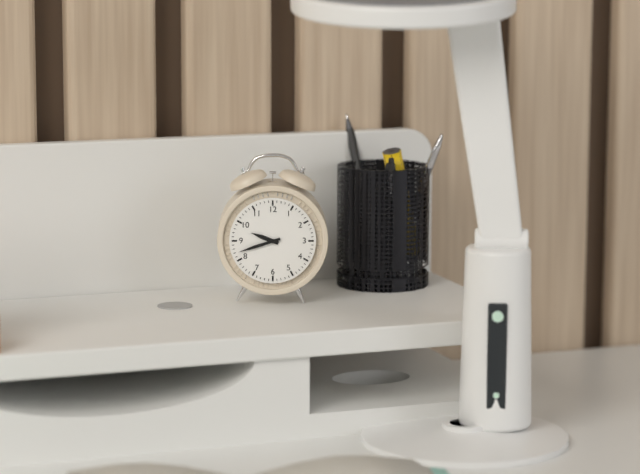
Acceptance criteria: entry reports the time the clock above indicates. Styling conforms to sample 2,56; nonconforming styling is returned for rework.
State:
9,42
